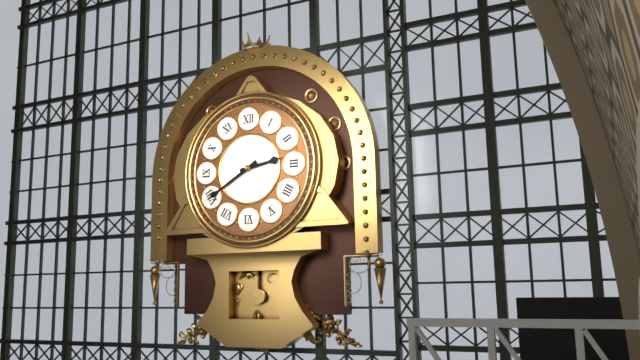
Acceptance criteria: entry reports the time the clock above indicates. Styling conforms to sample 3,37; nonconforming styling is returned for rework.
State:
2,40
